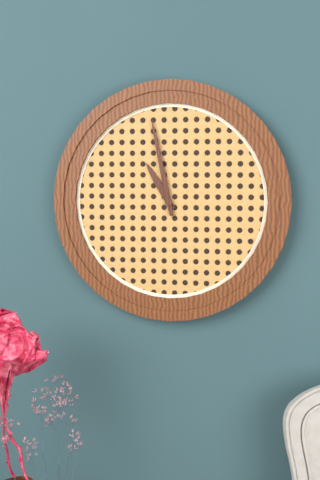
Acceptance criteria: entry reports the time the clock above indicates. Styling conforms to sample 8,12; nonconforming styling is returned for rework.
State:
10,58
